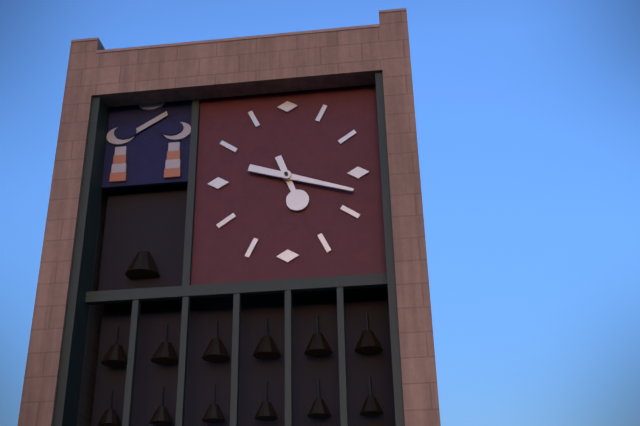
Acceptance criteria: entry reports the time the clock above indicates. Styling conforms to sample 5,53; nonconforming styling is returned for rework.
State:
5,18
